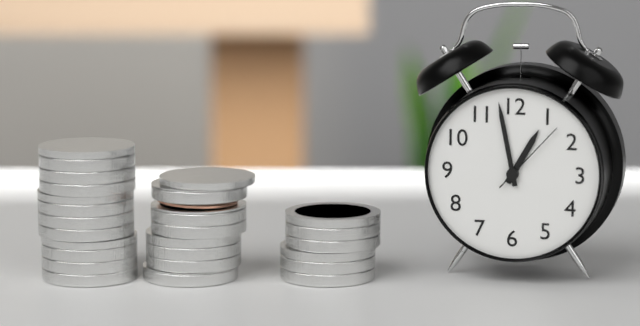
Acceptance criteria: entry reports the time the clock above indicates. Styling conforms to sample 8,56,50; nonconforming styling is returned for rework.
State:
12,58,07
